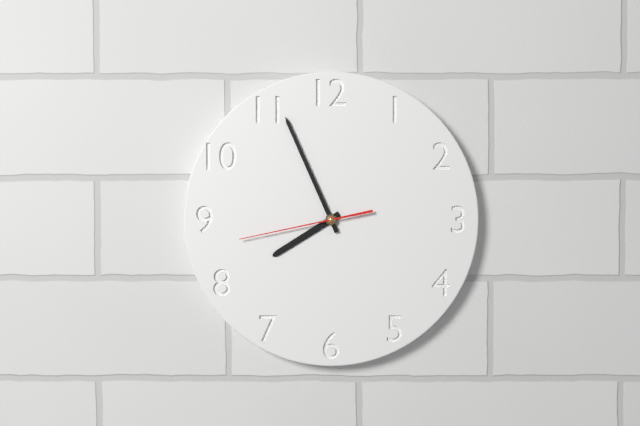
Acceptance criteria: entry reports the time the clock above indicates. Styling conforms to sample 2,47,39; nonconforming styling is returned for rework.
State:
7,56,43
